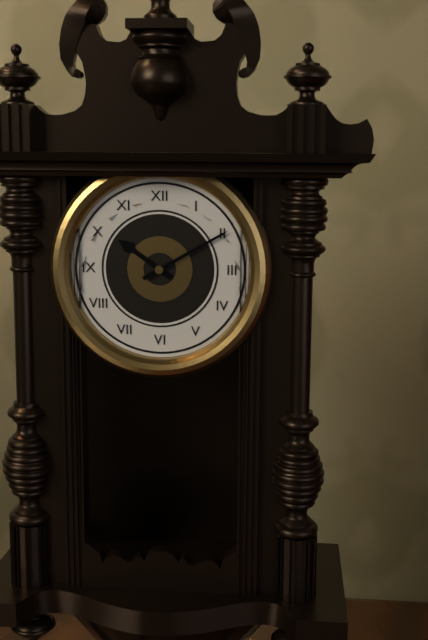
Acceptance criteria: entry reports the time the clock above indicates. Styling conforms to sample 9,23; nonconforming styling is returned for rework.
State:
10,10
